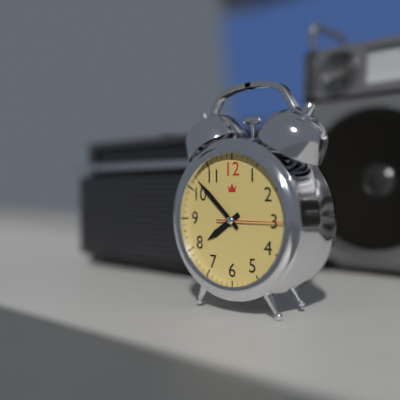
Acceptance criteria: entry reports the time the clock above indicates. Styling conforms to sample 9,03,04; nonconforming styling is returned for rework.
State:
7,52,15
